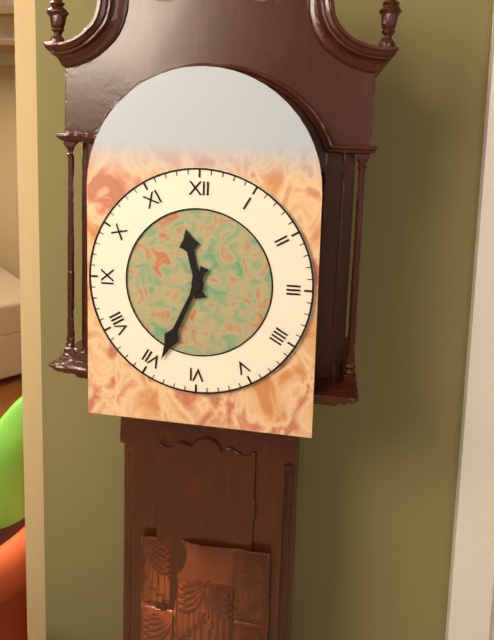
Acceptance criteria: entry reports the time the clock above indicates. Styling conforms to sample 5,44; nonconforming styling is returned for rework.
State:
11,34
